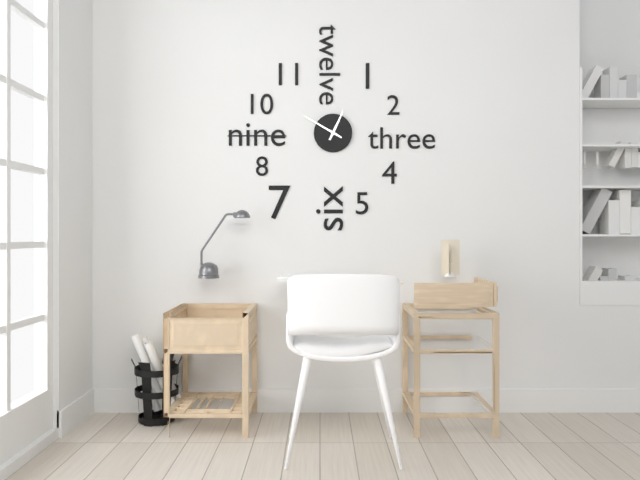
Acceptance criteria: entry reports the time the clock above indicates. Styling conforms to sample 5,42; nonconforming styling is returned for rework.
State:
12,50
